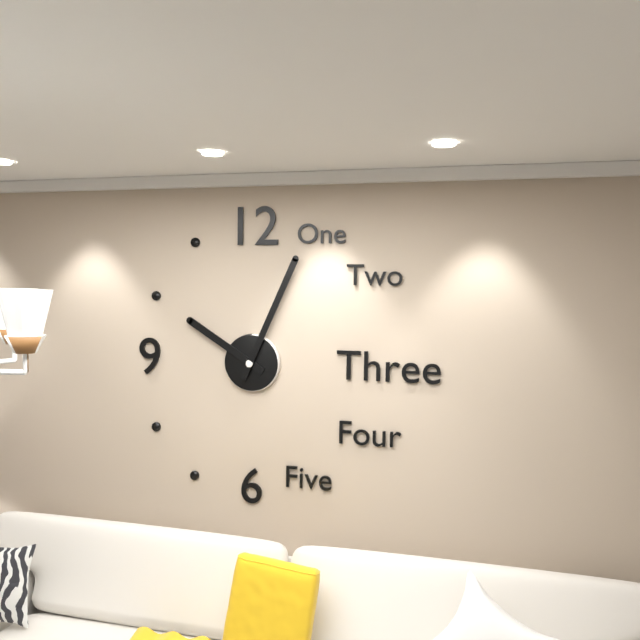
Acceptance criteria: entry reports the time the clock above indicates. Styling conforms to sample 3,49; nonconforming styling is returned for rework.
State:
10,04
